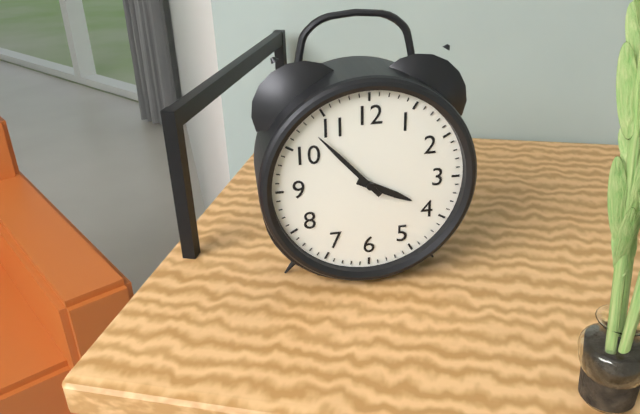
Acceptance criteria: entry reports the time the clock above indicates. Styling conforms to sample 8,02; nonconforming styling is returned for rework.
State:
3,53
